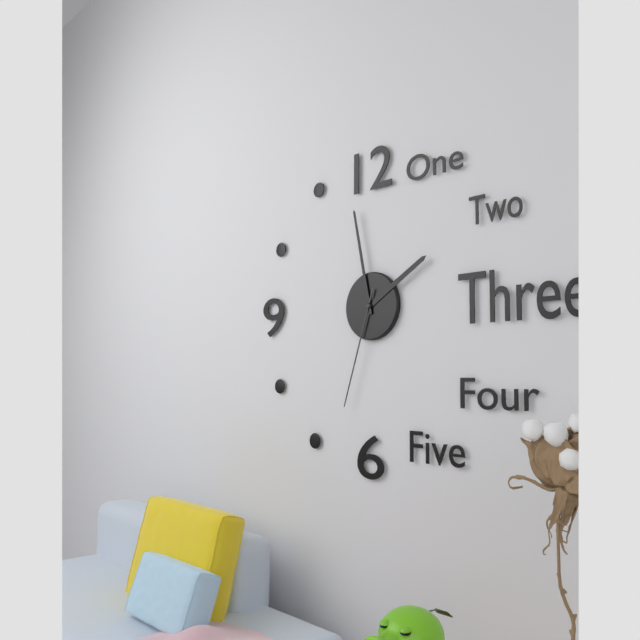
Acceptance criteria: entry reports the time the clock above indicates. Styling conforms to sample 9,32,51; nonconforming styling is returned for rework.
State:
1,58,33
